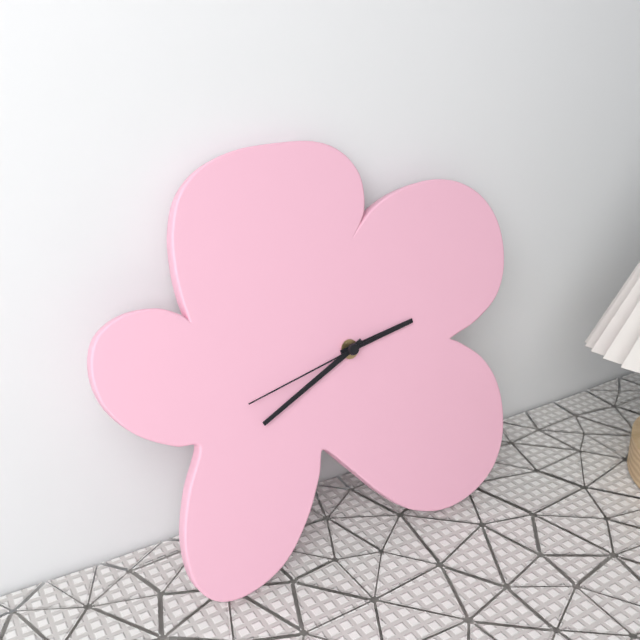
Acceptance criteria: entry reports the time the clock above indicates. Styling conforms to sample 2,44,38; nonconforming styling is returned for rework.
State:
2,41,43
